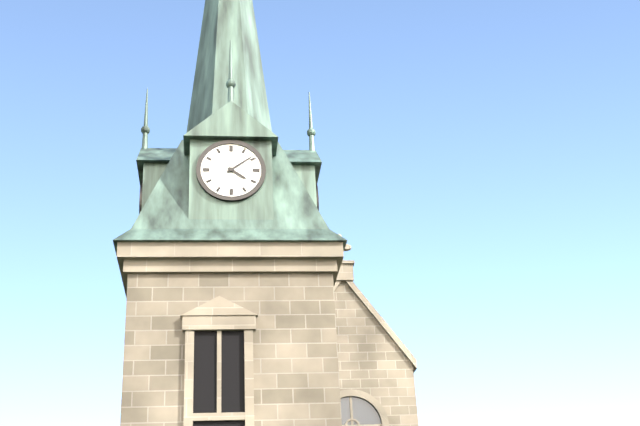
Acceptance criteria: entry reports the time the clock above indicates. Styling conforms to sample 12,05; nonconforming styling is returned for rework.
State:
4,09
